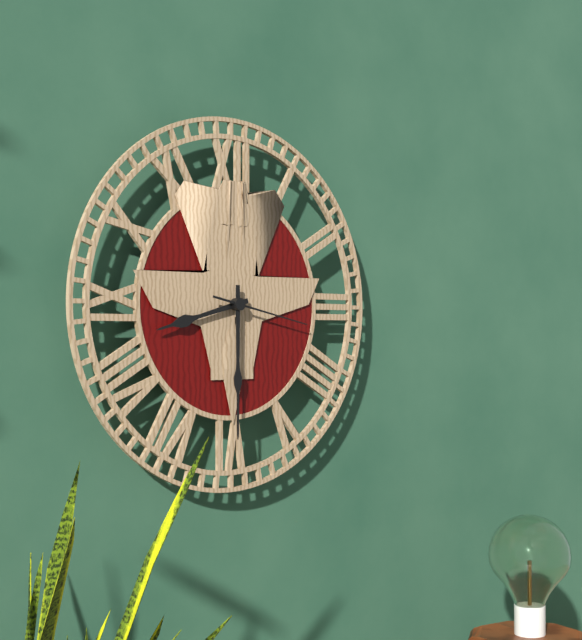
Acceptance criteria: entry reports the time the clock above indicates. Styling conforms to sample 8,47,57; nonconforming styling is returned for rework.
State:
8,30,17
